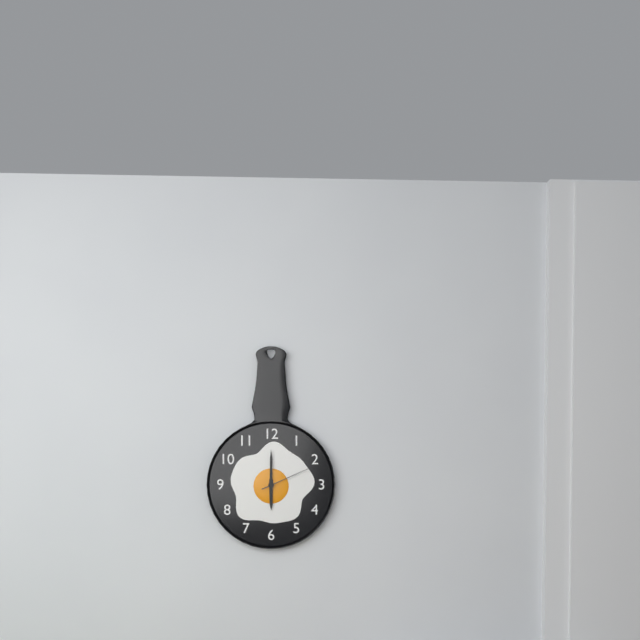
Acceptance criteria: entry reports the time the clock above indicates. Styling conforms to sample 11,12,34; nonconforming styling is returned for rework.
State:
6,00,11
